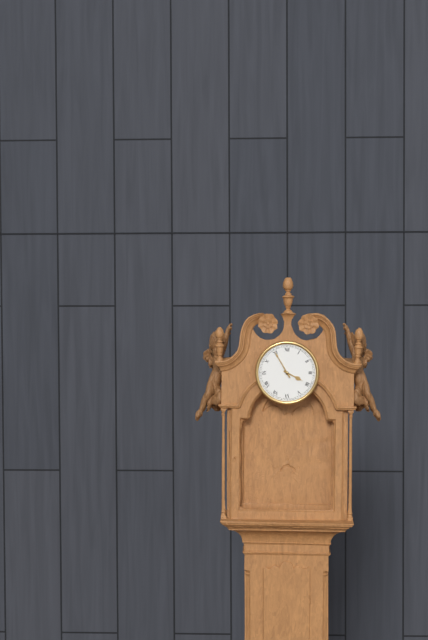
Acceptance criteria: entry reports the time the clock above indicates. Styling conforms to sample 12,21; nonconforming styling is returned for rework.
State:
3,55
